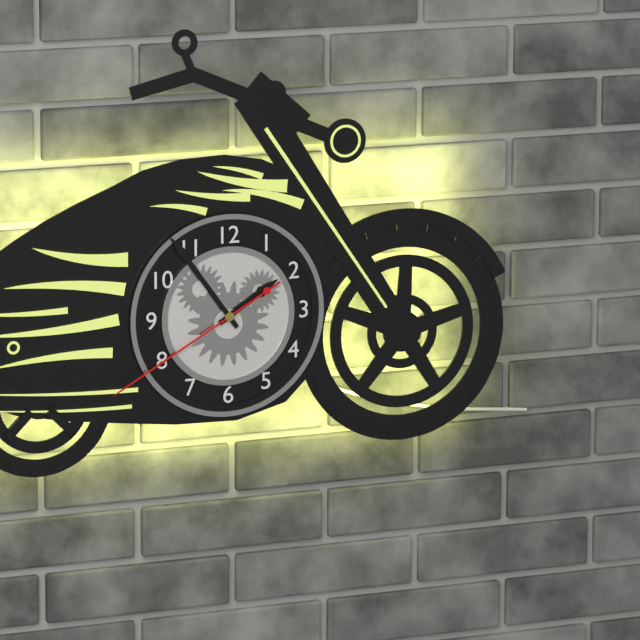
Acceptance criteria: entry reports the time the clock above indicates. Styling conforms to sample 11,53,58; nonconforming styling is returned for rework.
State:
1,54,40
